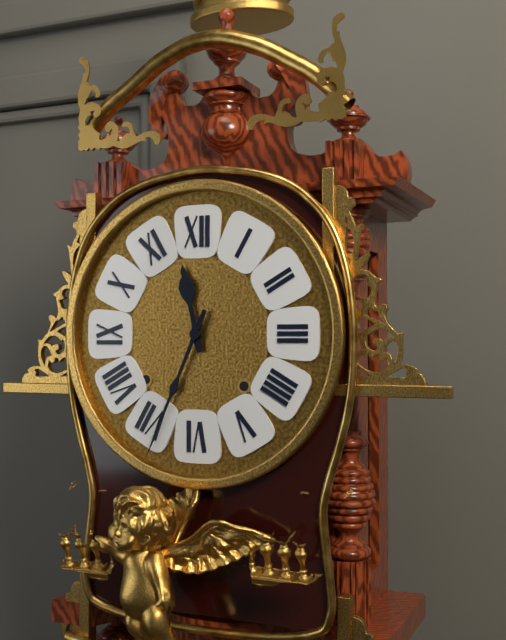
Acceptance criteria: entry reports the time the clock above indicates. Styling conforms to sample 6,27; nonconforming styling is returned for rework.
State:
11,34
